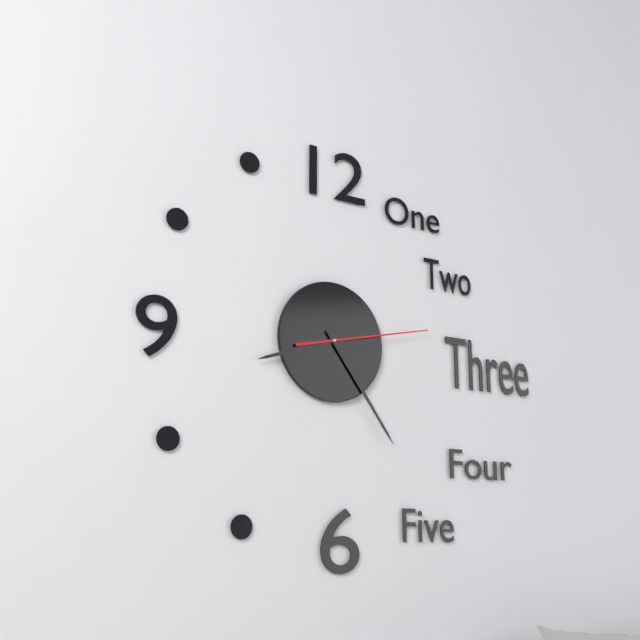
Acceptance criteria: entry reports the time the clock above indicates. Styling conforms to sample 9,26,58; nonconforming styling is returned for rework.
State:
8,24,13
